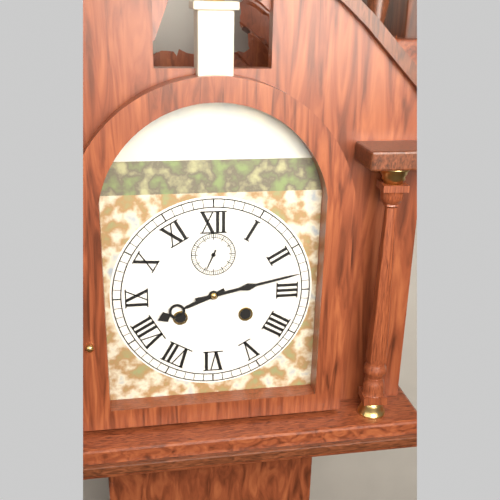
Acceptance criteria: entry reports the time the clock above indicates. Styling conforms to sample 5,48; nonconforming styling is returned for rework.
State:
8,13
